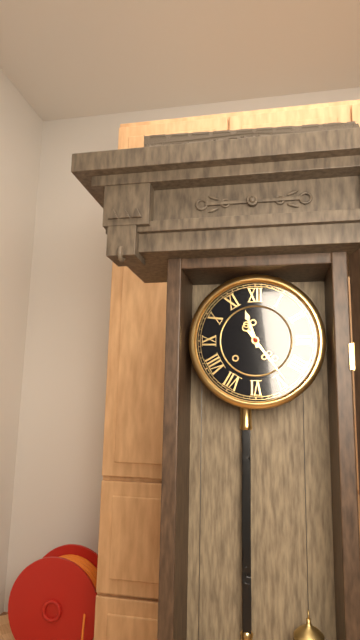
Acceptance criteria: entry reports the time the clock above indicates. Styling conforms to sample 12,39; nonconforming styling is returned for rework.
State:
11,24
